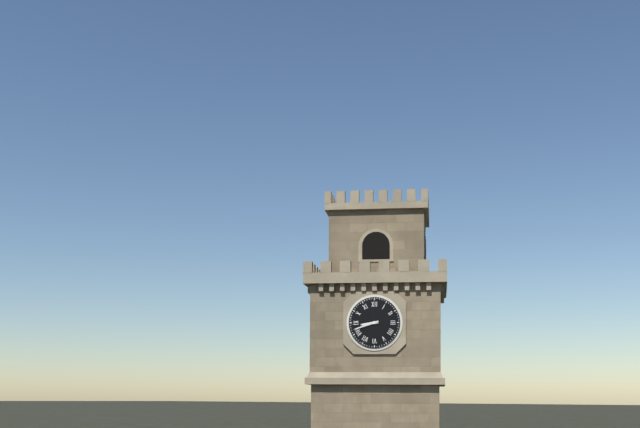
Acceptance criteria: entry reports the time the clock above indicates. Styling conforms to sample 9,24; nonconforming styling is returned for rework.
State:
8,42
